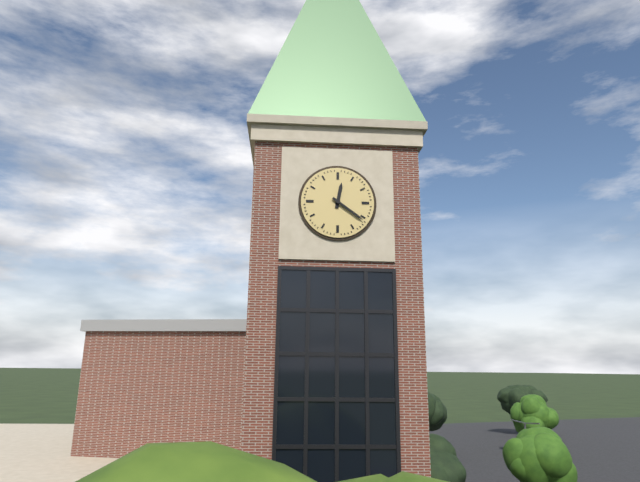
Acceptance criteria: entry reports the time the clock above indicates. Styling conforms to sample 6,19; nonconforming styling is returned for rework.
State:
12,21
